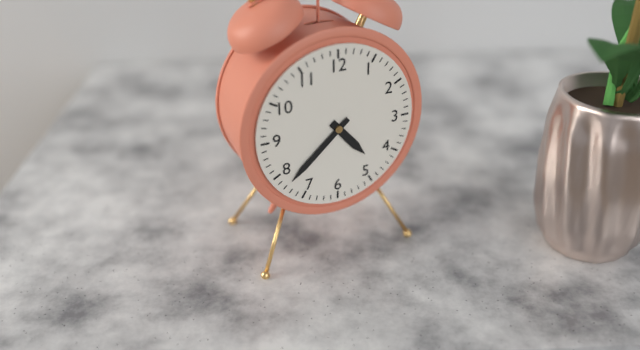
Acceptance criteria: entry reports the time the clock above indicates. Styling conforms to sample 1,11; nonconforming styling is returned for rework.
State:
4,38
